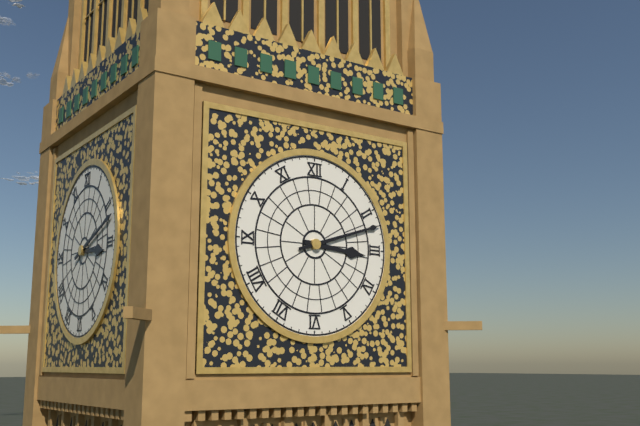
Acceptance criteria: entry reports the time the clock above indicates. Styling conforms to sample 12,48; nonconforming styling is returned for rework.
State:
3,12
